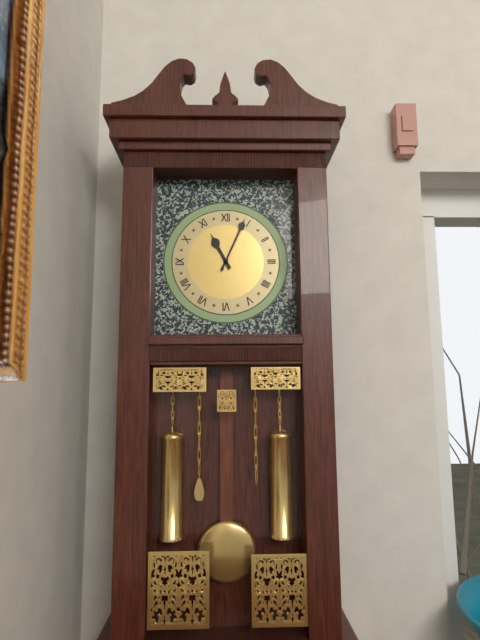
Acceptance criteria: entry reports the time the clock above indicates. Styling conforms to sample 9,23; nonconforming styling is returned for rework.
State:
11,04
